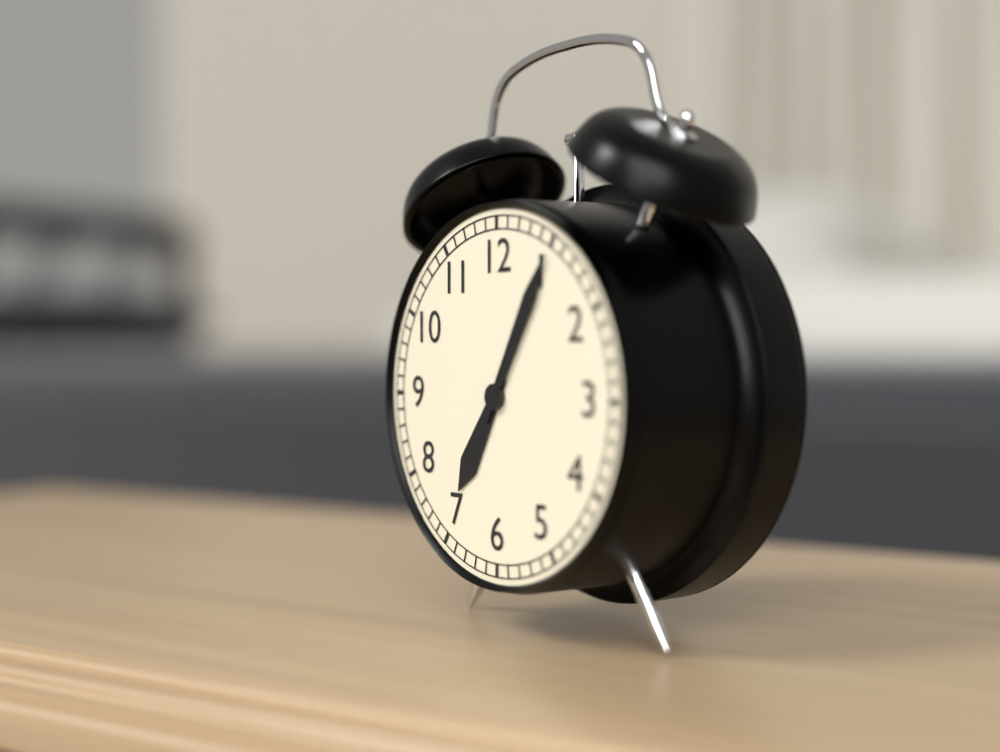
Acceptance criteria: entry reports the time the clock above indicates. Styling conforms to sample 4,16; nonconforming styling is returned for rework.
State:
7,05
